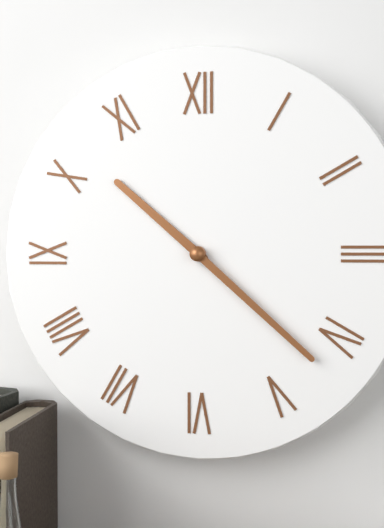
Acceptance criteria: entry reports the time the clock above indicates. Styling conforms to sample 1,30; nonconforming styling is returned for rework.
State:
10,22
